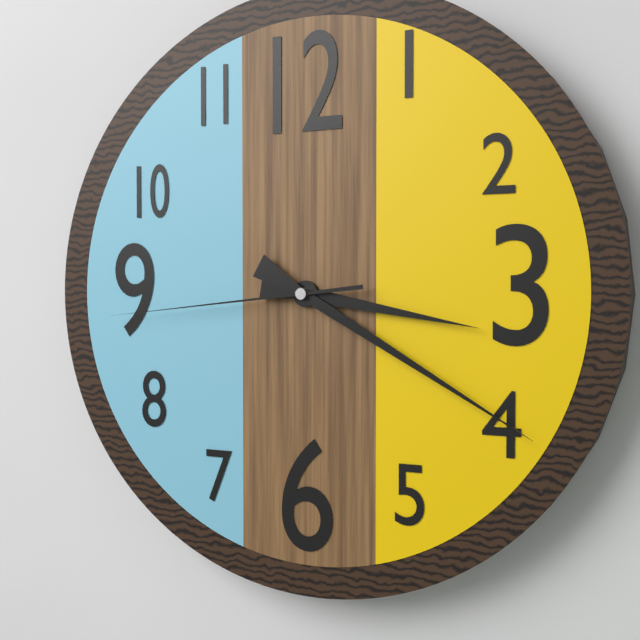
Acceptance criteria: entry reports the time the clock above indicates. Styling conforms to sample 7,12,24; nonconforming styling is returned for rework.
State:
3,20,44
